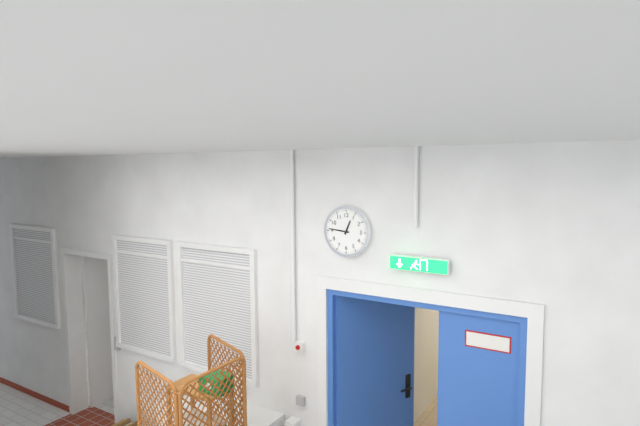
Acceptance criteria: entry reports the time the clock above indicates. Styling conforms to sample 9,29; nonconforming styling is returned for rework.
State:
12,46
